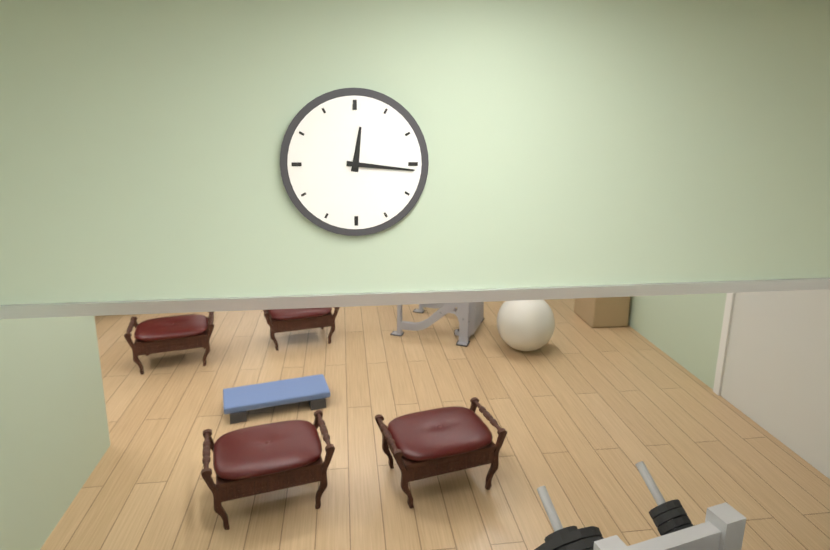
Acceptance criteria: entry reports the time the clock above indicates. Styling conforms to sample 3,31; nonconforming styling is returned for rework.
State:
12,16
